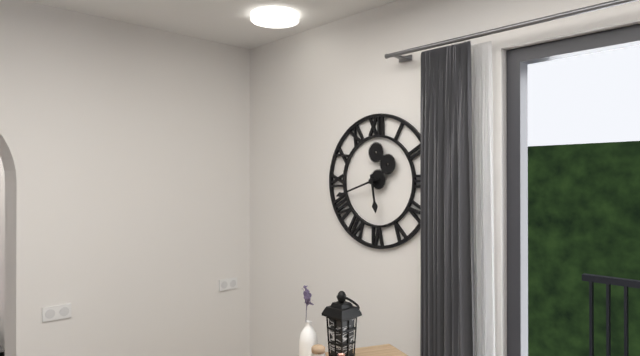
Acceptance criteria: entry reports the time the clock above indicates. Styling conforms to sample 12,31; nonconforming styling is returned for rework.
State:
5,42
